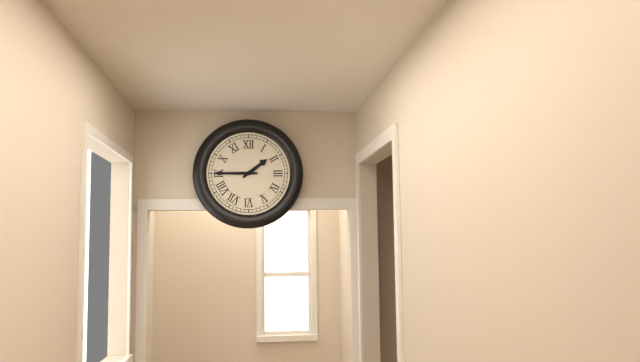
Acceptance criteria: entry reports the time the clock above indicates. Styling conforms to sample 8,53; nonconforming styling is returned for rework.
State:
1,45
